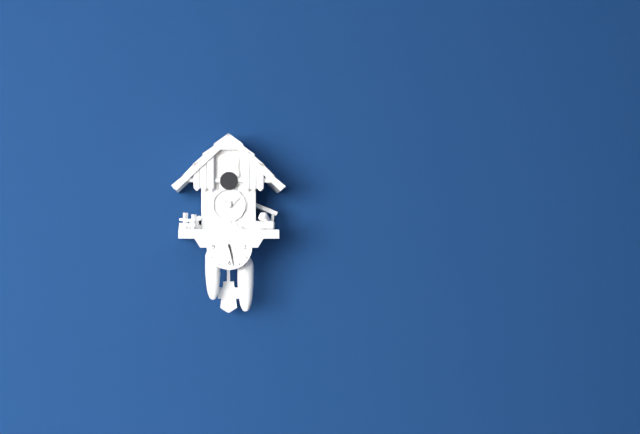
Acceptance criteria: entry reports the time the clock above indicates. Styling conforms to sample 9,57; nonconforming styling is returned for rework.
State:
5,28
